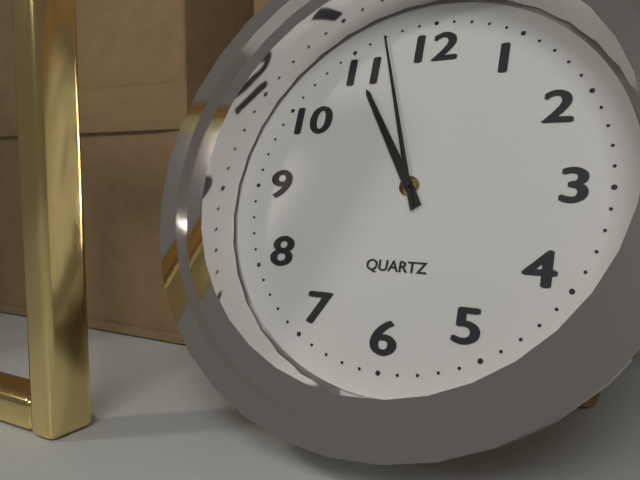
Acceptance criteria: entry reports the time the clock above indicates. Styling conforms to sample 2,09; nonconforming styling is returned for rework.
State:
10,57
